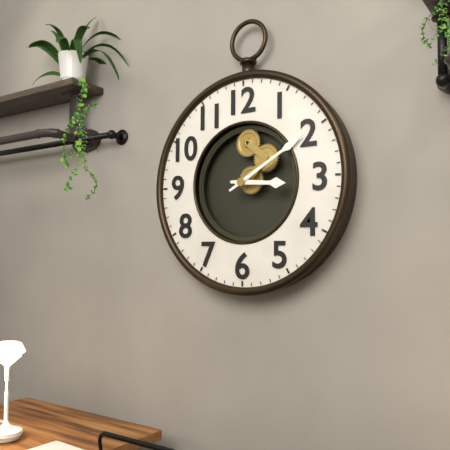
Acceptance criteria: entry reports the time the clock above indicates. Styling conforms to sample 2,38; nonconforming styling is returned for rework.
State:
3,10
